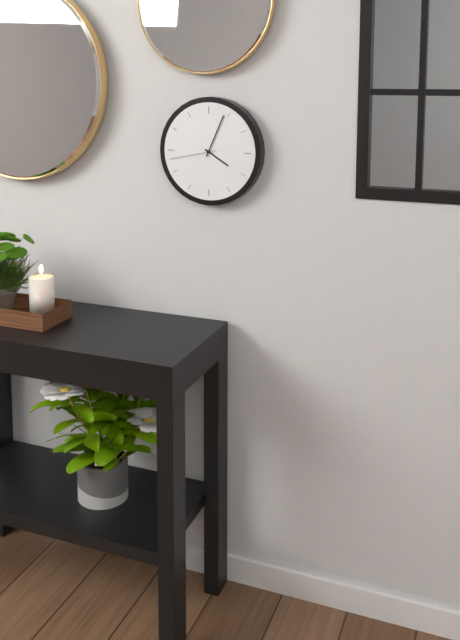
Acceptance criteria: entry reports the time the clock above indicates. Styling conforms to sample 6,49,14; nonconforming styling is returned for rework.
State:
4,04,43
